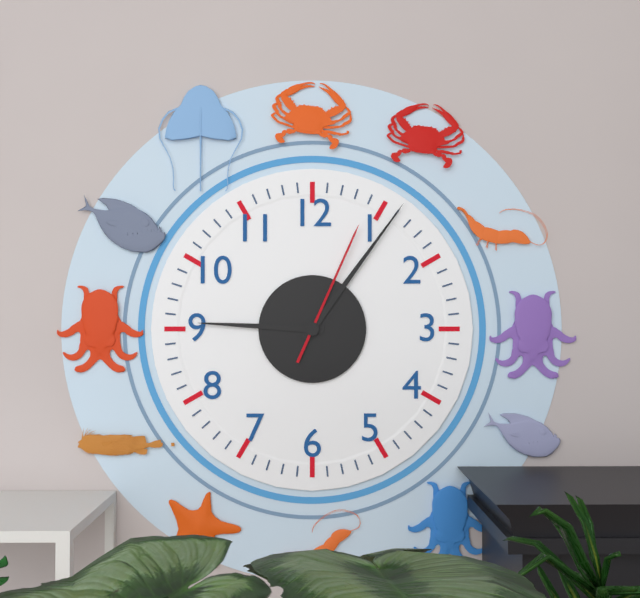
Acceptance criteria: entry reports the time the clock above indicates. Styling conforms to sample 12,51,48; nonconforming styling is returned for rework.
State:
9,06,04
